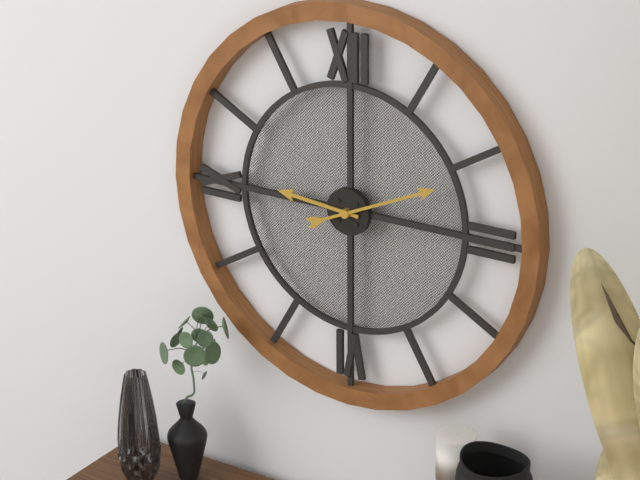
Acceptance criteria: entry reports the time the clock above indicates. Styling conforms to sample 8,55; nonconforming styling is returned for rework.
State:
9,11
